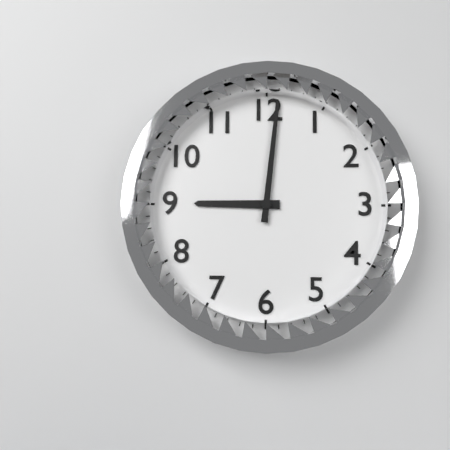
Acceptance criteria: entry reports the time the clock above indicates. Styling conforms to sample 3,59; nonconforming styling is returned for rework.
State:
9,01
